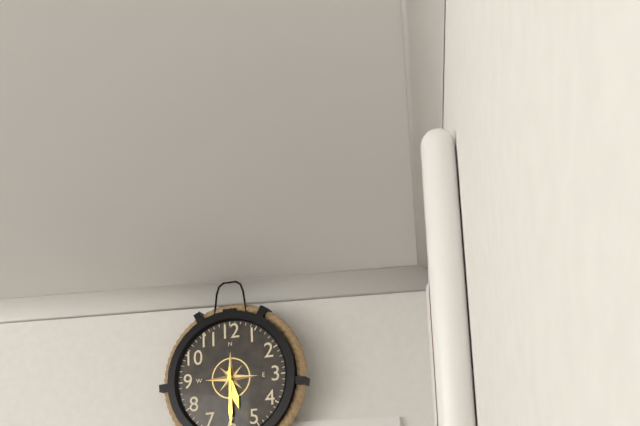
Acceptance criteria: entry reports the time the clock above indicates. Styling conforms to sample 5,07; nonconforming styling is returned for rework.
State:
5,30
